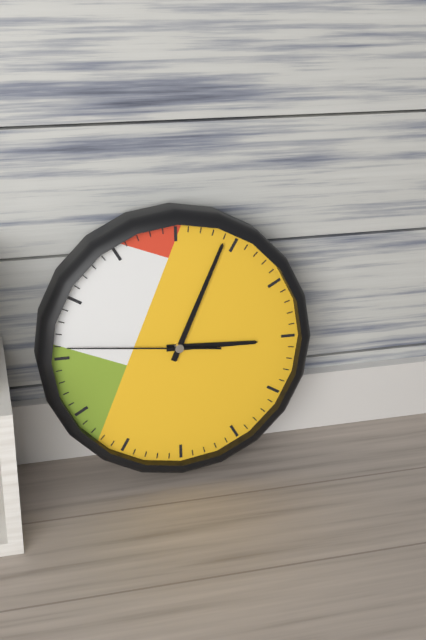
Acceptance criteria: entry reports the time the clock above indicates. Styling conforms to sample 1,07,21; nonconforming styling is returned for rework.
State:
3,04,46
